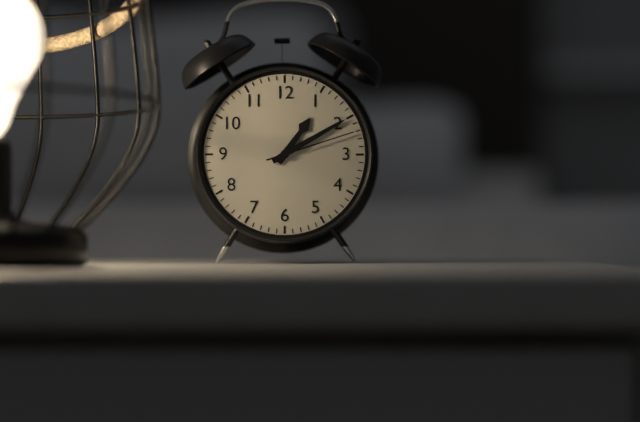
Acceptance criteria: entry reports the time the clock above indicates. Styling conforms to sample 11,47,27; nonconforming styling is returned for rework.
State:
1,10,12
